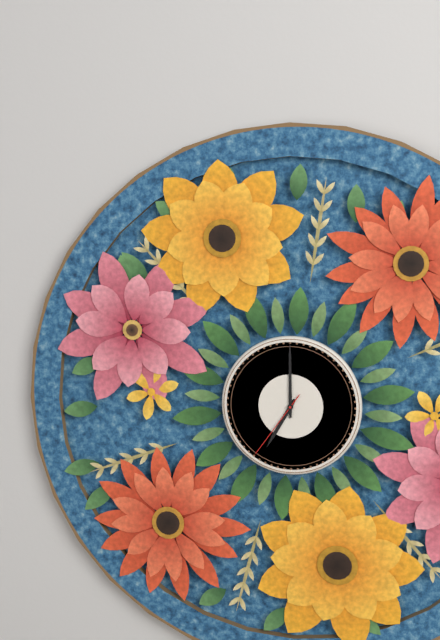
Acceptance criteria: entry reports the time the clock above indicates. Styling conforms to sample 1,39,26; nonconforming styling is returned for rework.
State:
7,00,36
